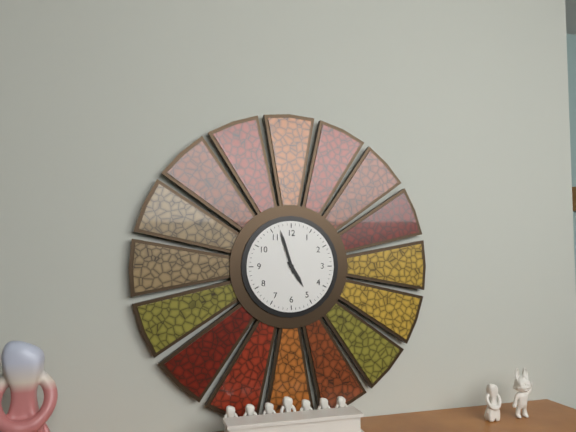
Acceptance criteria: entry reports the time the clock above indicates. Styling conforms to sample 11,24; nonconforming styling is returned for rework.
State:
4,57
